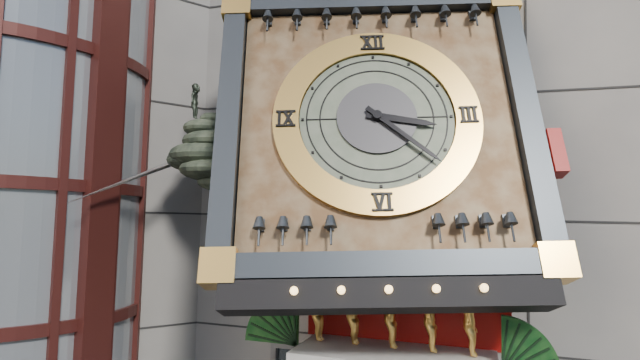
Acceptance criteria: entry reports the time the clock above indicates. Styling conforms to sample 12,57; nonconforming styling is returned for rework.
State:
3,22
